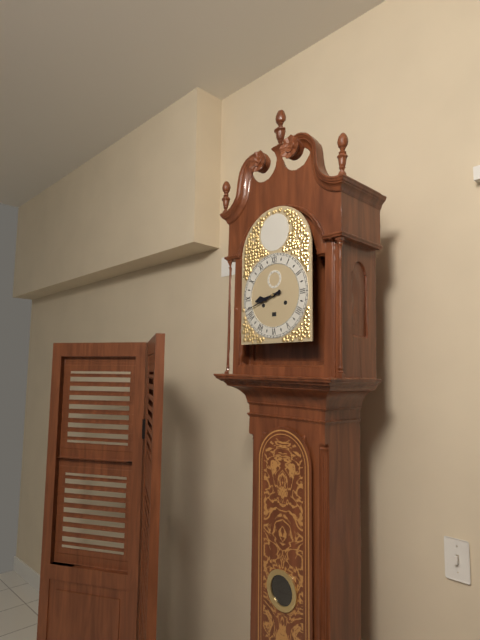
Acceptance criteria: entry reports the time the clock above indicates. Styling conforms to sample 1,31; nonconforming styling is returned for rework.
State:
8,42
